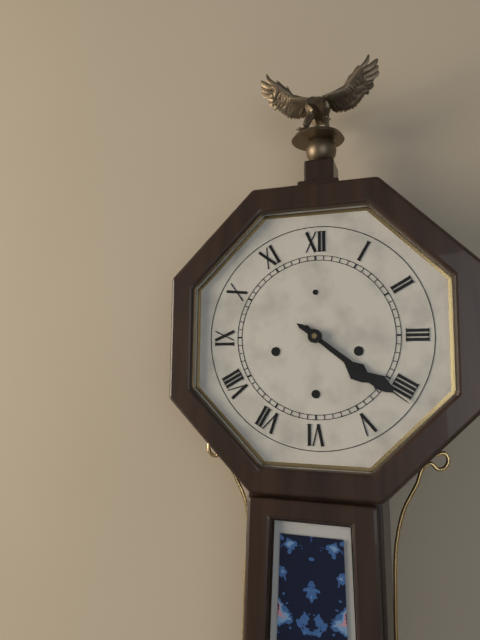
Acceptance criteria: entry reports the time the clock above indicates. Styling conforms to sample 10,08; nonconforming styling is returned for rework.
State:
4,21
